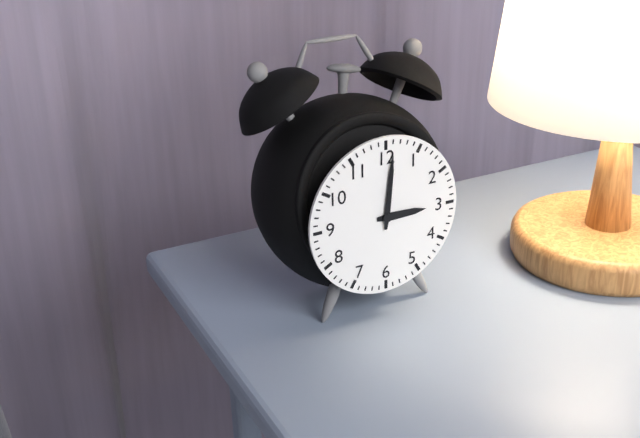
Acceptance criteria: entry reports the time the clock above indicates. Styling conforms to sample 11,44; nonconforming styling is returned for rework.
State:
3,01
